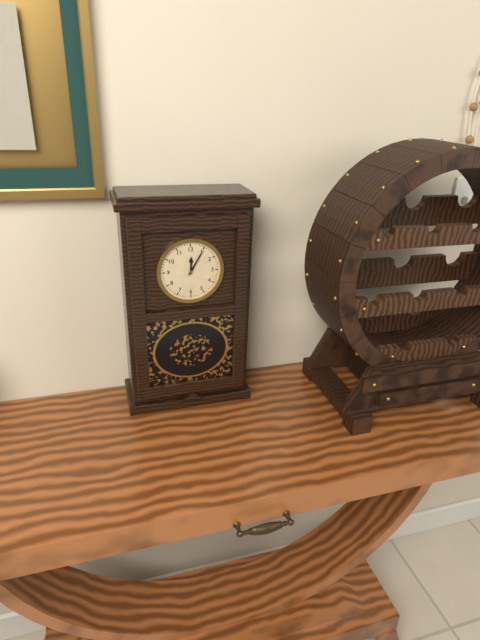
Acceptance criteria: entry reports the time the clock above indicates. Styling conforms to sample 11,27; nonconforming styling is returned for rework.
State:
12,05
